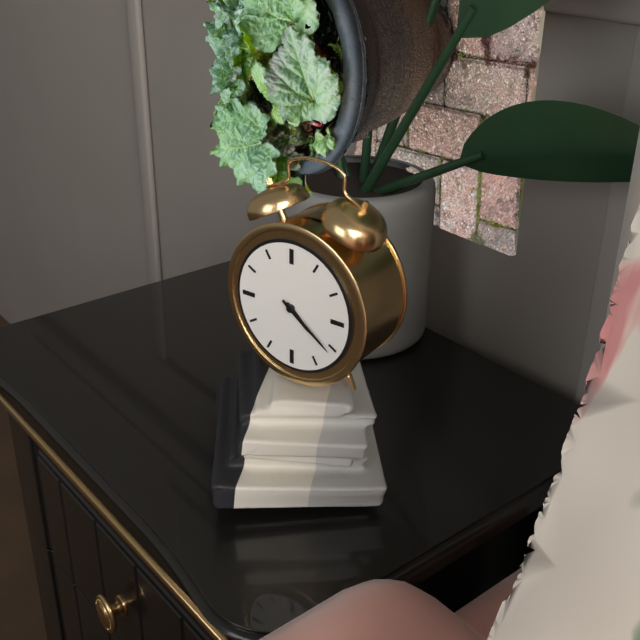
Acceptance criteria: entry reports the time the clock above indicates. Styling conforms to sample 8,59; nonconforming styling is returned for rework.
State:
4,21
